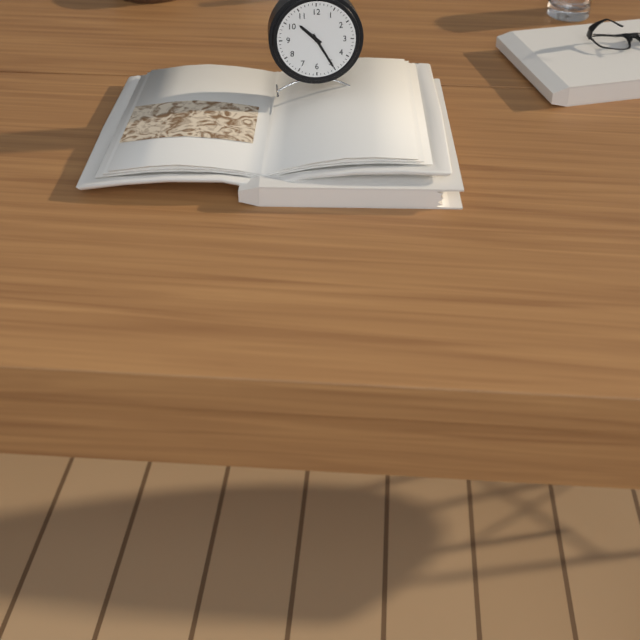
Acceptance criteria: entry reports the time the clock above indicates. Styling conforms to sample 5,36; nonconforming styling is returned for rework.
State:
10,25
